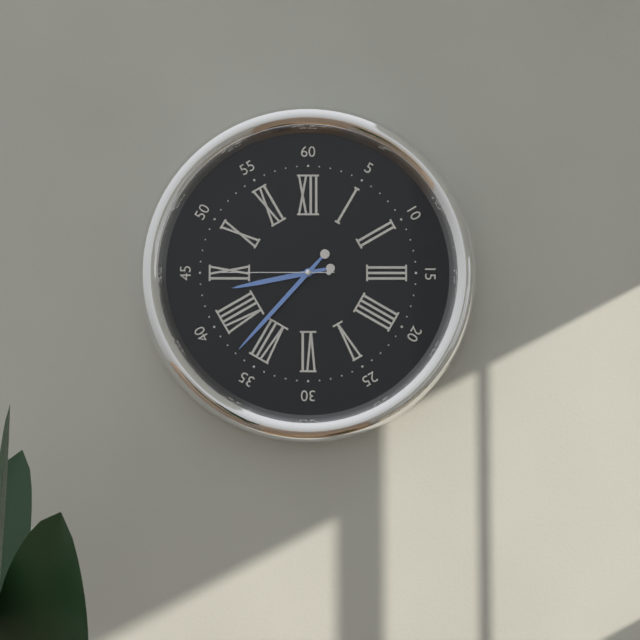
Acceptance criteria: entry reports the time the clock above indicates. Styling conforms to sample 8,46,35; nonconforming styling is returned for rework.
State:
8,37,45
